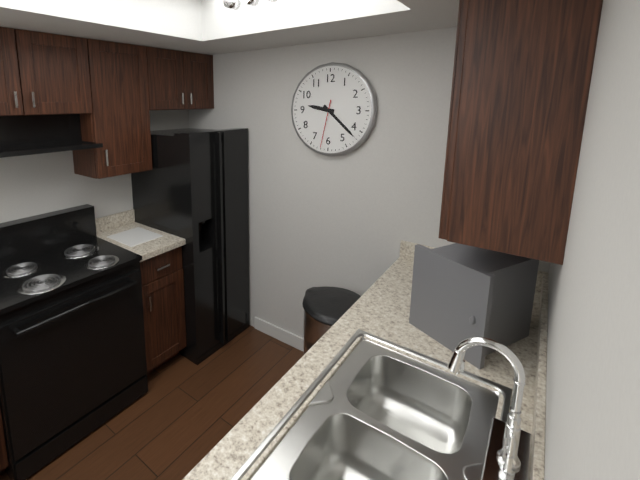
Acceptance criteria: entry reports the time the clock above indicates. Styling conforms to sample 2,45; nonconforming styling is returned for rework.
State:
9,22
